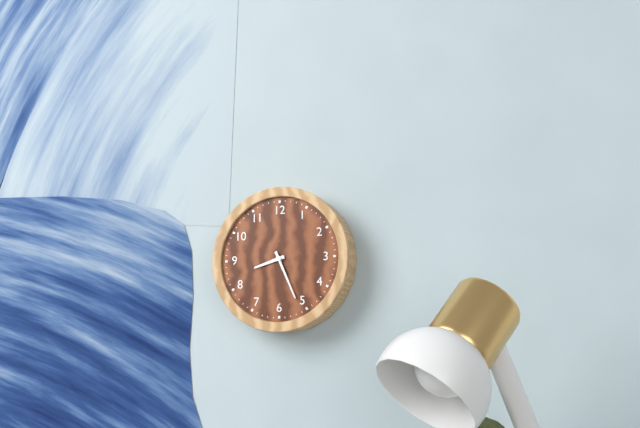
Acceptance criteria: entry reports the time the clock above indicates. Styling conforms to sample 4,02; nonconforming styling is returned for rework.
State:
8,26
